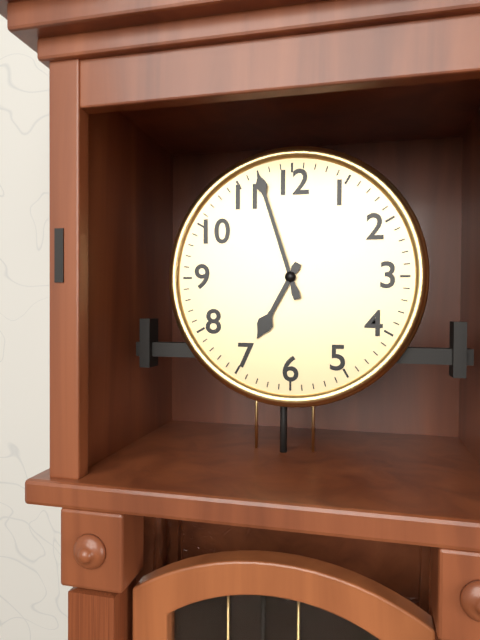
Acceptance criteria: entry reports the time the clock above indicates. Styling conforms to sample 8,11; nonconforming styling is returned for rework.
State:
6,57
